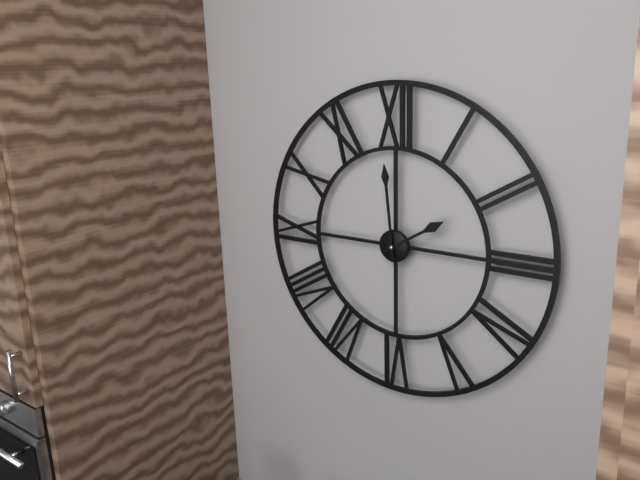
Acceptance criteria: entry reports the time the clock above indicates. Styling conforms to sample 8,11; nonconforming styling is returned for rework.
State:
1,59
